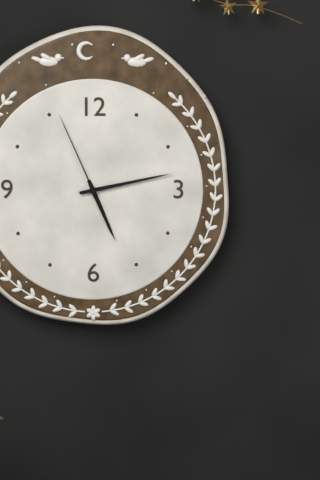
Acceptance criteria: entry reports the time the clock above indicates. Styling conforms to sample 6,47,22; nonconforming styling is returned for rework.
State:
5,13,56
